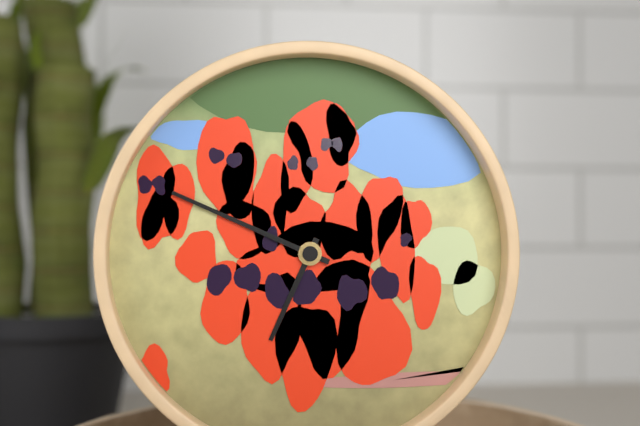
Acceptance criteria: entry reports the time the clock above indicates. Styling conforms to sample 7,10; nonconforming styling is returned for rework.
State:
6,49
